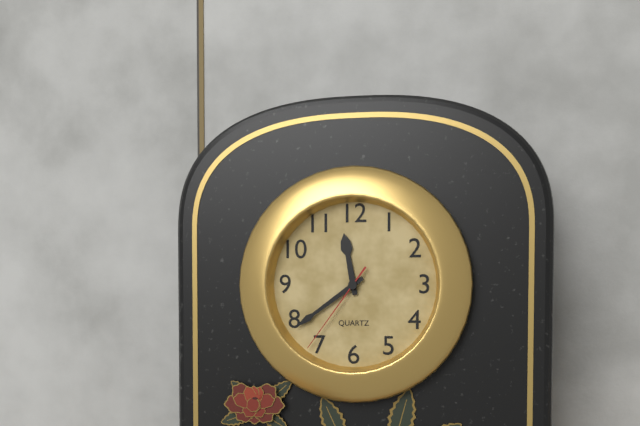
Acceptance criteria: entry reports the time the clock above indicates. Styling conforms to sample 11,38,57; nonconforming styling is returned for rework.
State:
11,39,36
